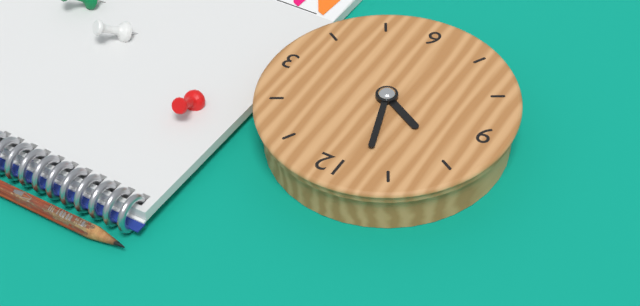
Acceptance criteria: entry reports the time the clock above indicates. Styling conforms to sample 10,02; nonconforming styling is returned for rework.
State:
9,57
